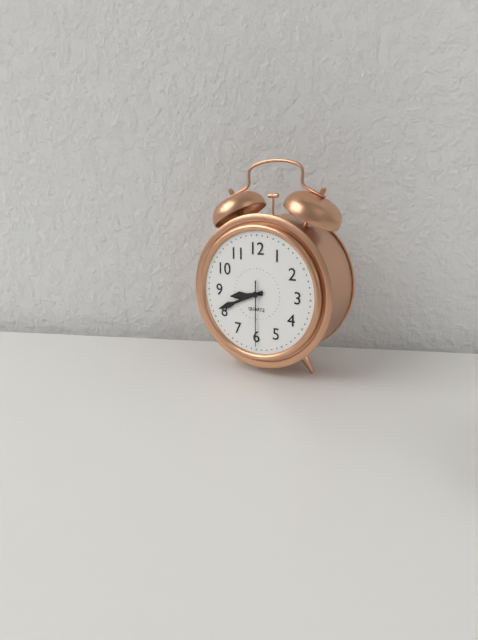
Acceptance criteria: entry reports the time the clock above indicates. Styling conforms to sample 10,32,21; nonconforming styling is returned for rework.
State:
8,41,30
